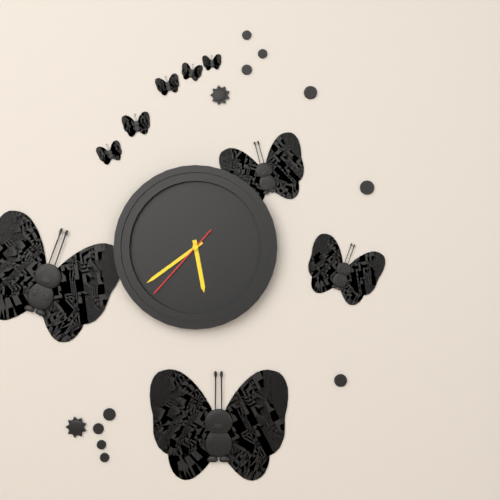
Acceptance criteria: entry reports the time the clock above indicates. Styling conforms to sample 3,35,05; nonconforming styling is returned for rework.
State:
5,39,37
